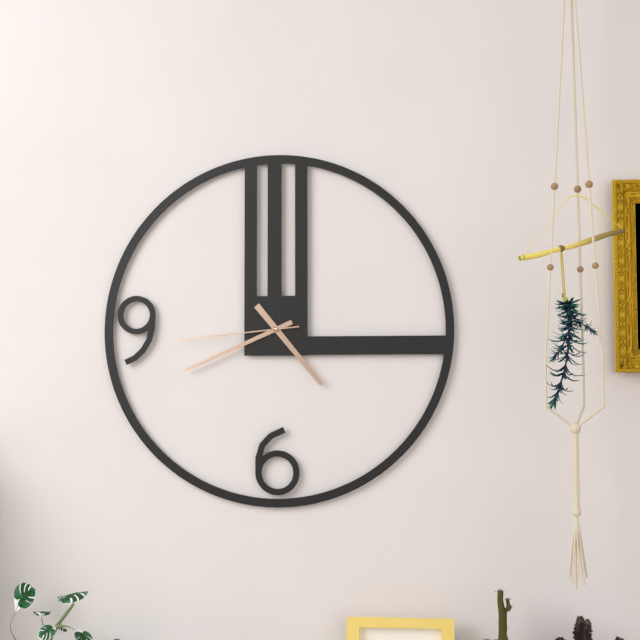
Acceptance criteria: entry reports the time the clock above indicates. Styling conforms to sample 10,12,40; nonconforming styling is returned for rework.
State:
4,41,44
